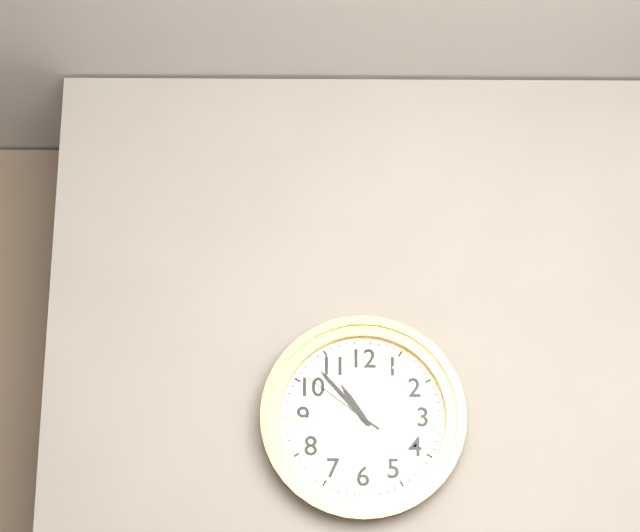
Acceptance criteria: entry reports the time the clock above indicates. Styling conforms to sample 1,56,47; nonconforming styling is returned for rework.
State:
10,53,51
